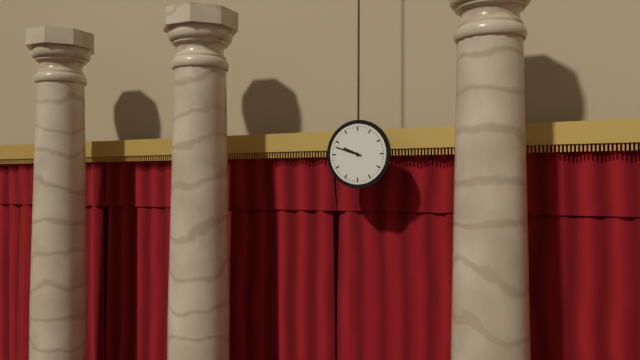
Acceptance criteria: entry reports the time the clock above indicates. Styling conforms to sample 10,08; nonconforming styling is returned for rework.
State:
9,48
